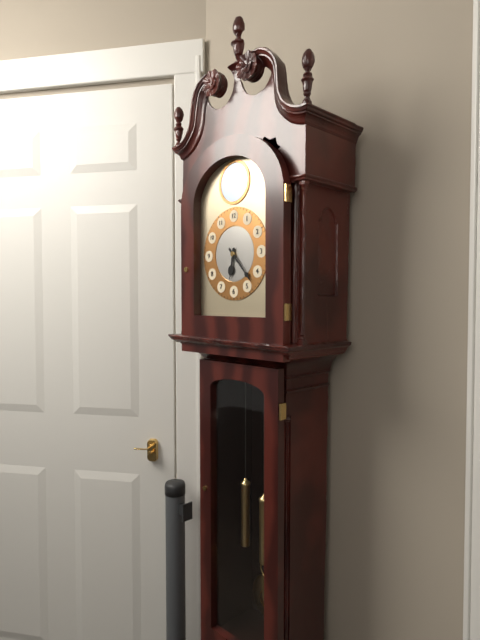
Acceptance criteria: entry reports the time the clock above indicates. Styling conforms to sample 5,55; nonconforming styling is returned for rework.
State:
6,23
